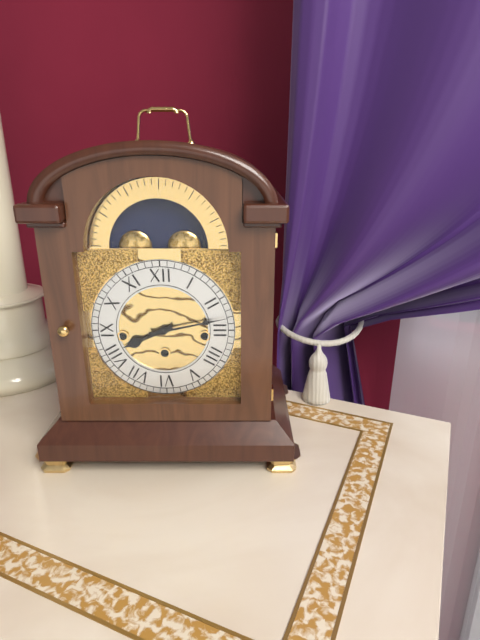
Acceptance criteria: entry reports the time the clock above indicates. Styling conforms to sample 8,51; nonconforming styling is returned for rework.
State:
8,13
